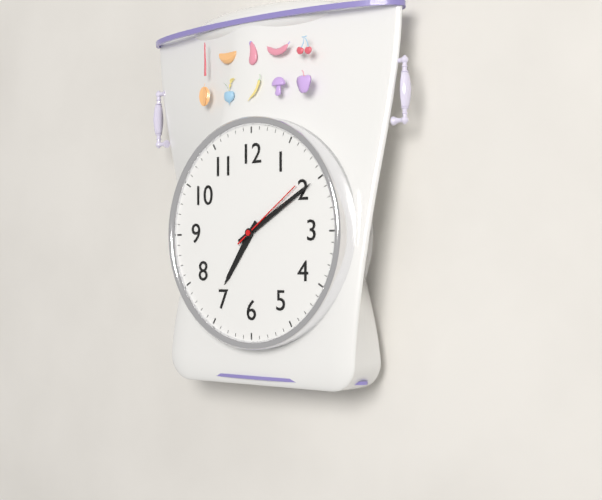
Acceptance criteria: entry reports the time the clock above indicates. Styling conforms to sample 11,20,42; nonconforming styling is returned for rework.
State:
7,10,09
